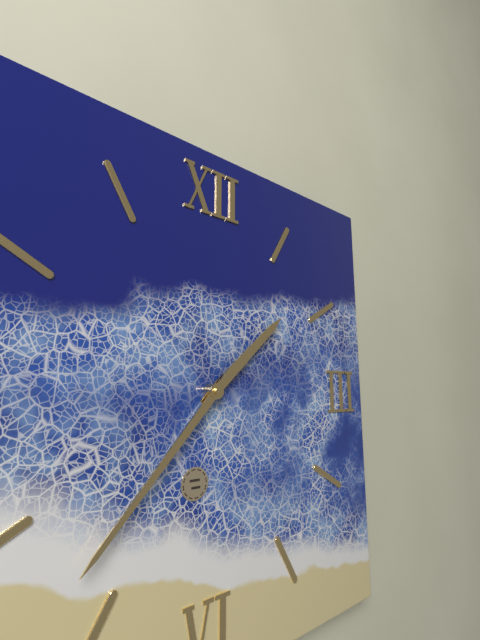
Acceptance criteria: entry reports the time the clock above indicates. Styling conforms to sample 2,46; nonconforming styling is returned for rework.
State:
1,37
